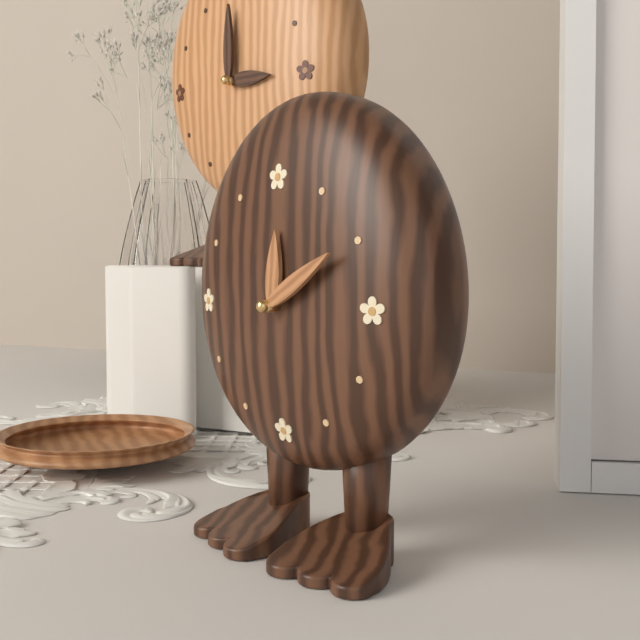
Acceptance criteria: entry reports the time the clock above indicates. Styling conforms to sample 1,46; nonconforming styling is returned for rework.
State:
12,10
